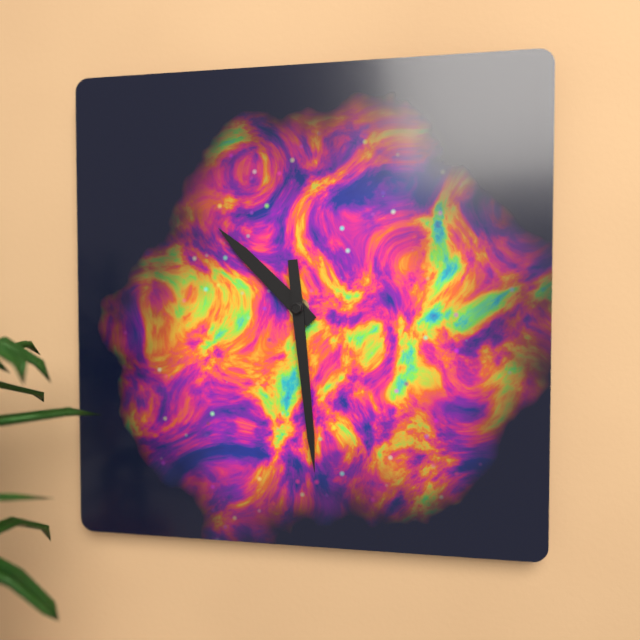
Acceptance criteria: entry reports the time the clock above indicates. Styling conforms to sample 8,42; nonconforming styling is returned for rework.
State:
10,29
